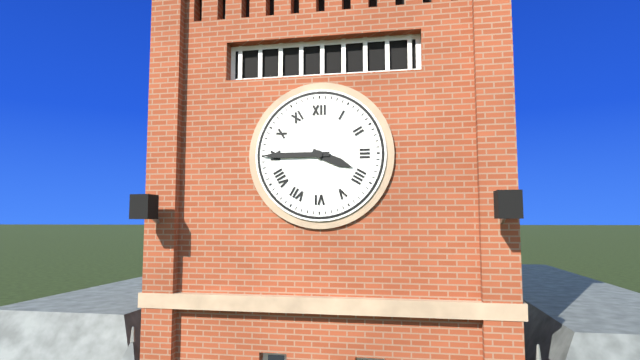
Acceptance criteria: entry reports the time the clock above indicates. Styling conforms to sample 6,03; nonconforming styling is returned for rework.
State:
3,45
